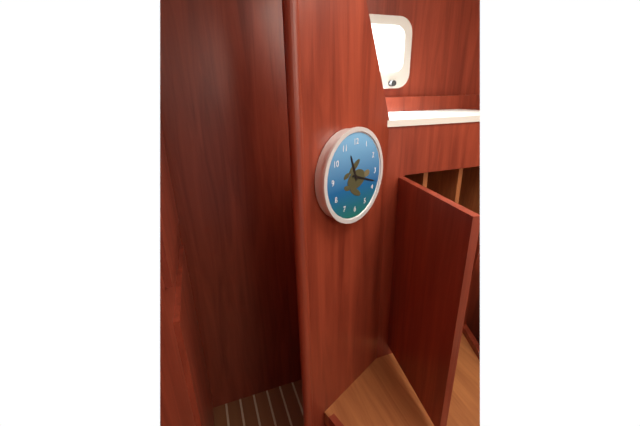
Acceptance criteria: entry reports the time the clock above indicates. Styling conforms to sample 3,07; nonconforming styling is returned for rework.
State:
11,18
